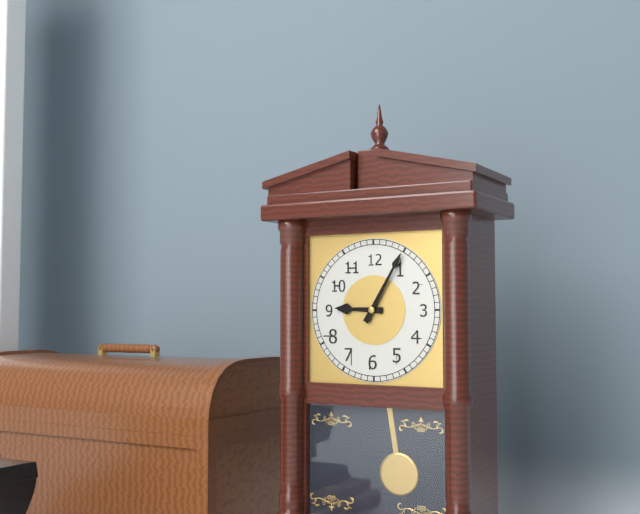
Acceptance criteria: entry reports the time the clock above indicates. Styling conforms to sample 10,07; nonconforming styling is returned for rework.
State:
9,05
